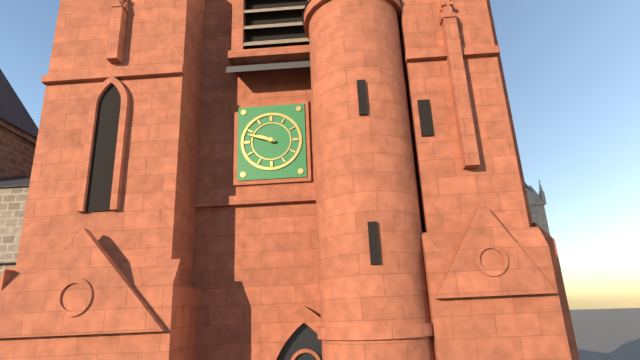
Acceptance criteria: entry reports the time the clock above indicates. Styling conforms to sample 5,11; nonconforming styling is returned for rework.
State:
9,48
